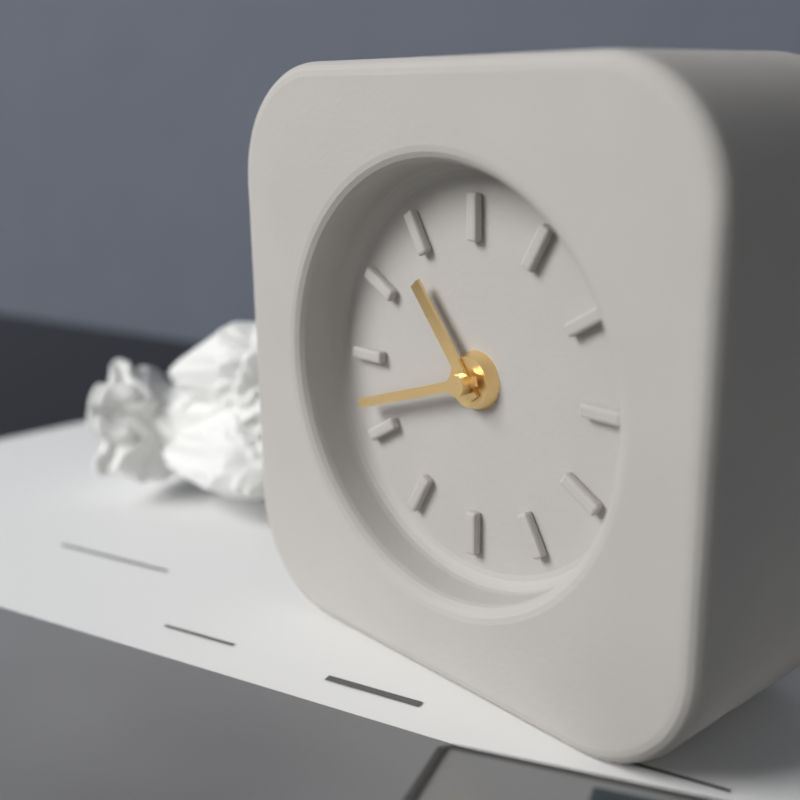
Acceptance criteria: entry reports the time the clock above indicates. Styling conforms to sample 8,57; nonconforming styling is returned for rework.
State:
10,42
